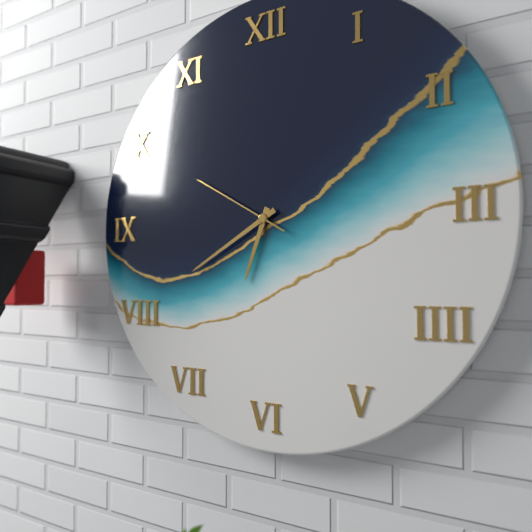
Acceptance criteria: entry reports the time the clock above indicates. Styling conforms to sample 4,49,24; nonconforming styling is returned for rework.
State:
6,40,50
